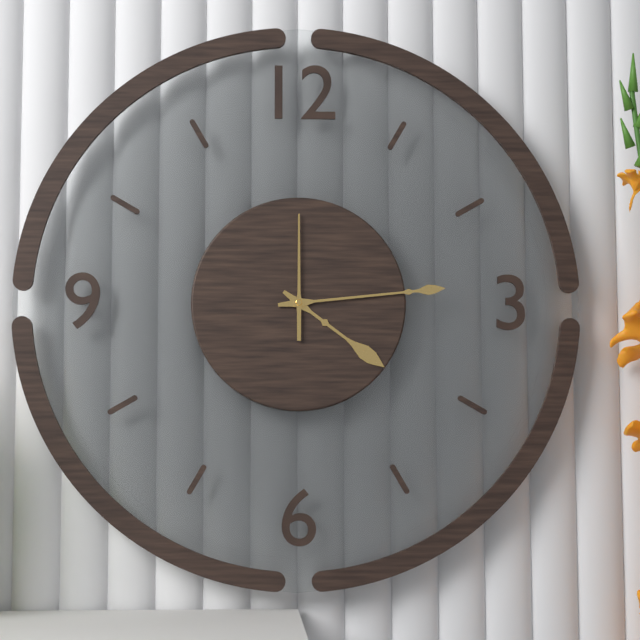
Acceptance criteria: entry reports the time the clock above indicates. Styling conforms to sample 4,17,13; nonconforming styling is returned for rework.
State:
4,14,00
